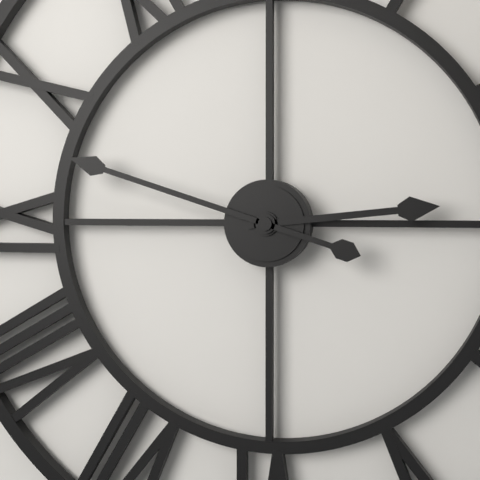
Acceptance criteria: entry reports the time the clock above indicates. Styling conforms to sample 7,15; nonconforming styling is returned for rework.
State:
2,48
